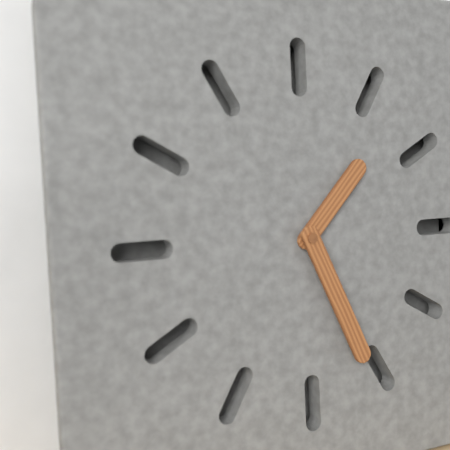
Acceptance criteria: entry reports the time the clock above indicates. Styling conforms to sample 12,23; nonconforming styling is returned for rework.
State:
1,26
